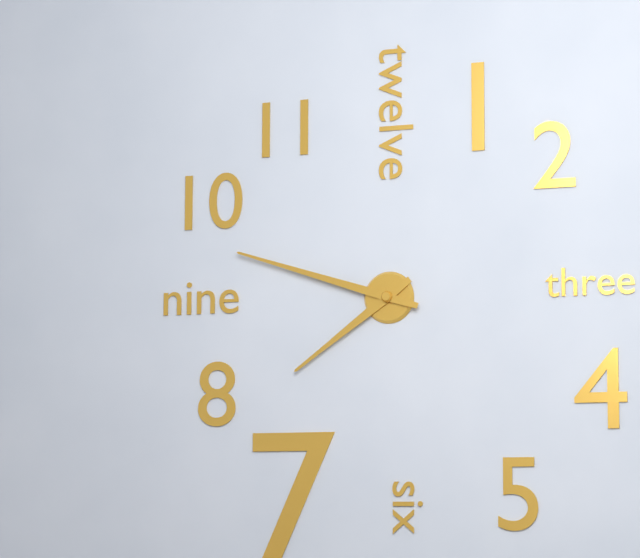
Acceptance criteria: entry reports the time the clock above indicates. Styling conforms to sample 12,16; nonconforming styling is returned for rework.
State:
7,48
